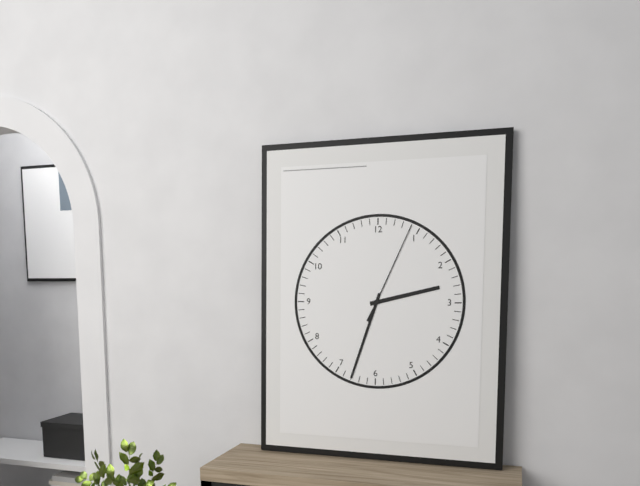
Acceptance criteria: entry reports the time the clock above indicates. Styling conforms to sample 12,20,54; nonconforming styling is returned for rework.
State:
2,33,04
